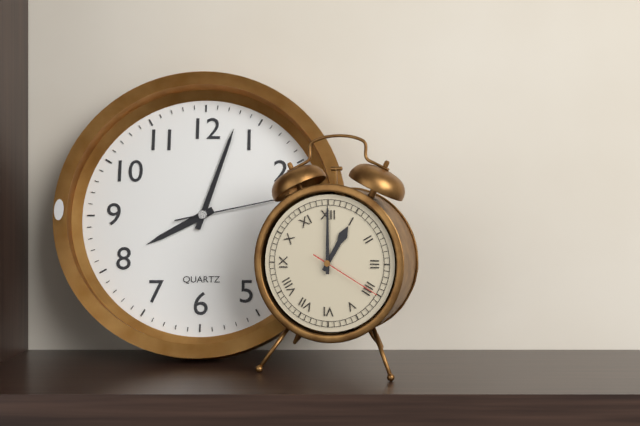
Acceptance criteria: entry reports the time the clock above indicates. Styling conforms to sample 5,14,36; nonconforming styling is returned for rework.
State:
8,03,13
